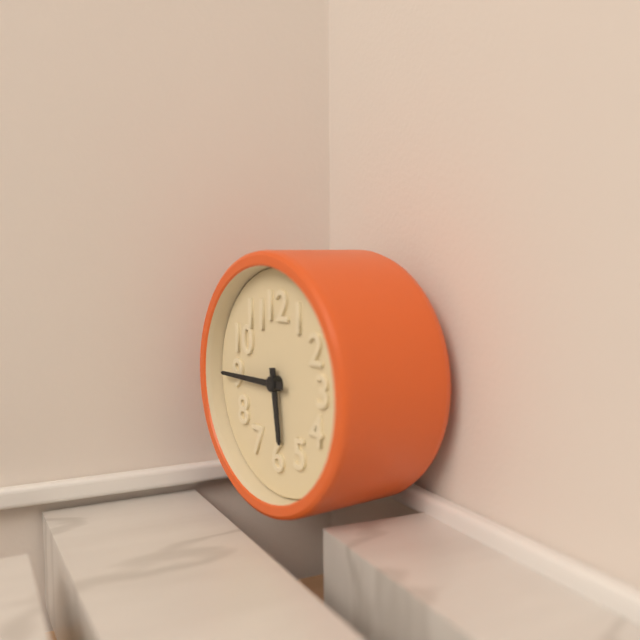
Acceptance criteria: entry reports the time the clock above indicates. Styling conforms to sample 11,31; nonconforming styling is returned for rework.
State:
5,45
